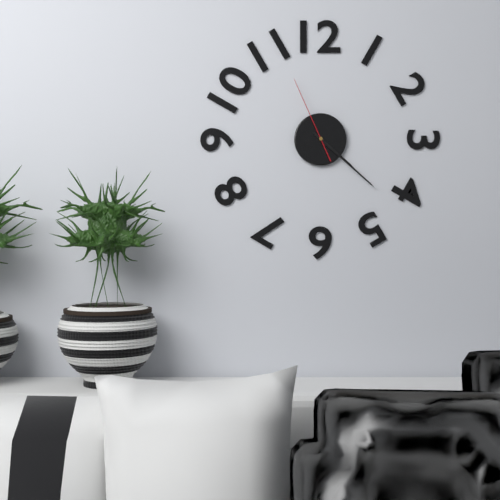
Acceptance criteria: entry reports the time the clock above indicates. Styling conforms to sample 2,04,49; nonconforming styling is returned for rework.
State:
4,22,56
